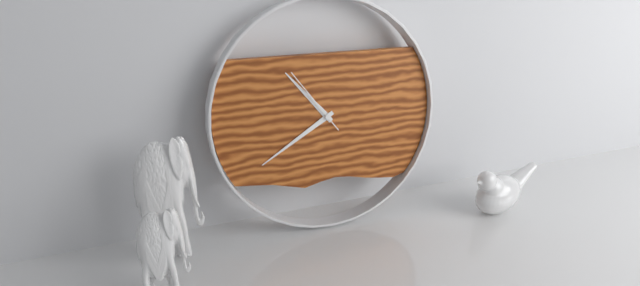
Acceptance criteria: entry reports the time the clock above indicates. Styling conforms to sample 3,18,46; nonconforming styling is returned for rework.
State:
10,40,54
